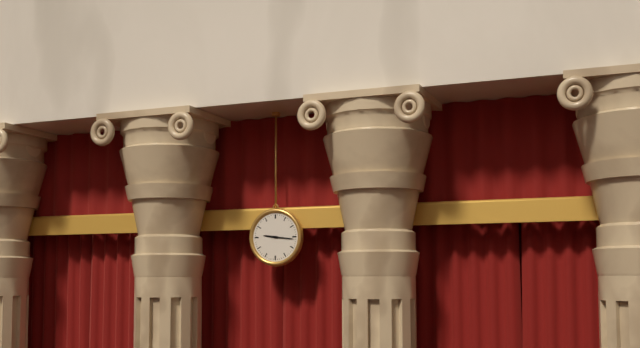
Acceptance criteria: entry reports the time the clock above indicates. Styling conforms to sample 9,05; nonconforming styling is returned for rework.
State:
9,16
